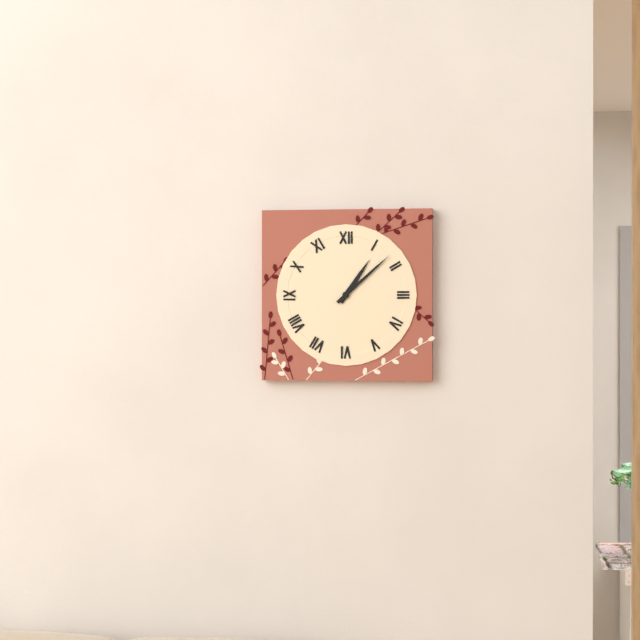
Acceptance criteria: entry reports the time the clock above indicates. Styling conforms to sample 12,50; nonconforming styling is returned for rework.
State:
1,08
